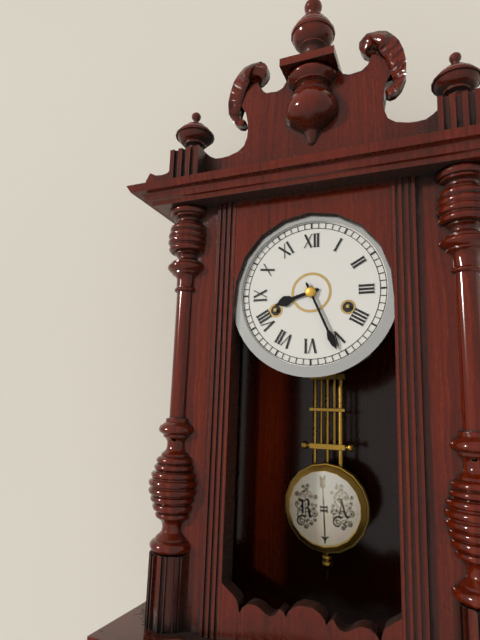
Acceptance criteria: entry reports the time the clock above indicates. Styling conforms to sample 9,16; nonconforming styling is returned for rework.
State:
8,26
